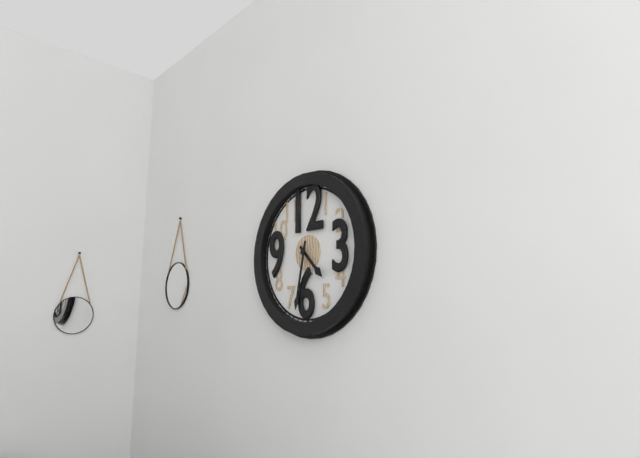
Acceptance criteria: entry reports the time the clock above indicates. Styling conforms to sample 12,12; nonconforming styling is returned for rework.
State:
4,32
